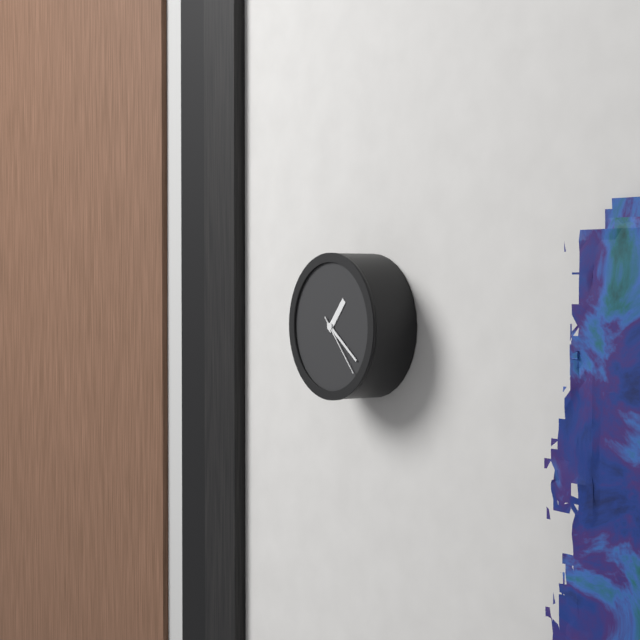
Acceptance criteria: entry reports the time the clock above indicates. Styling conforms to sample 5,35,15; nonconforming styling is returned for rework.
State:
1,21,23
